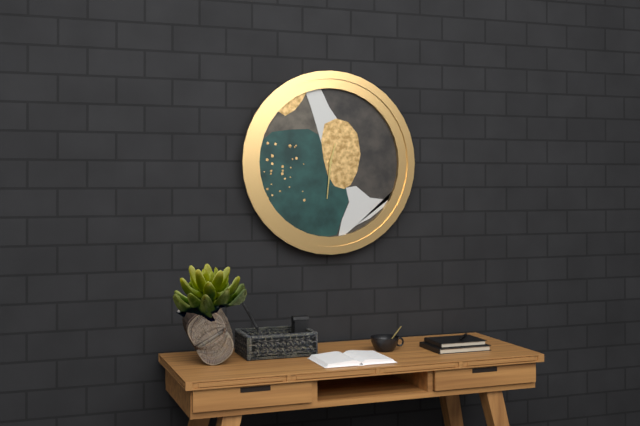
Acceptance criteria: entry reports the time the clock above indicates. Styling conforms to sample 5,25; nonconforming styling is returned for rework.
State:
12,31
